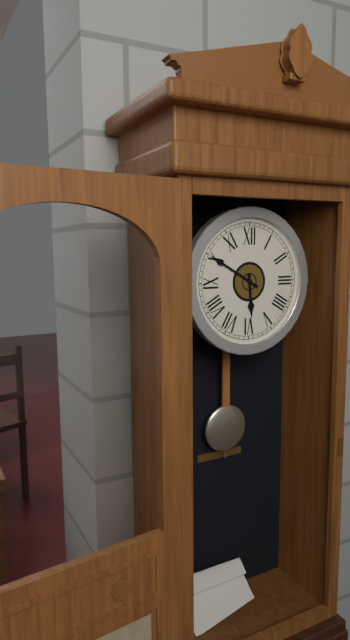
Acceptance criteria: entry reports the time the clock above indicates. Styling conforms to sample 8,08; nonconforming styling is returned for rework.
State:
5,50
